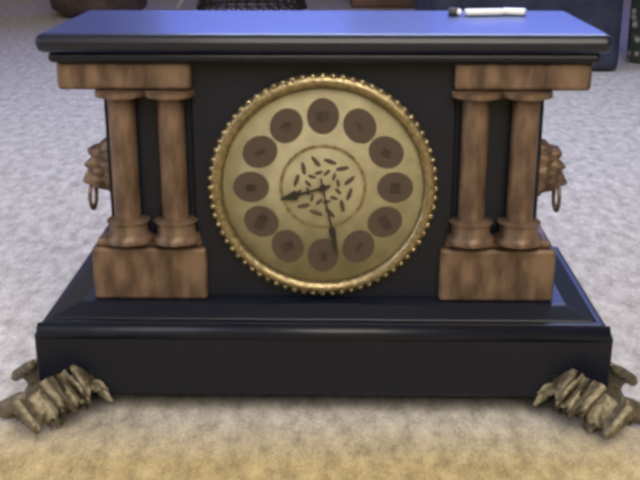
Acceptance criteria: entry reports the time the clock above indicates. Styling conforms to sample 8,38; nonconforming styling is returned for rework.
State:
8,28
